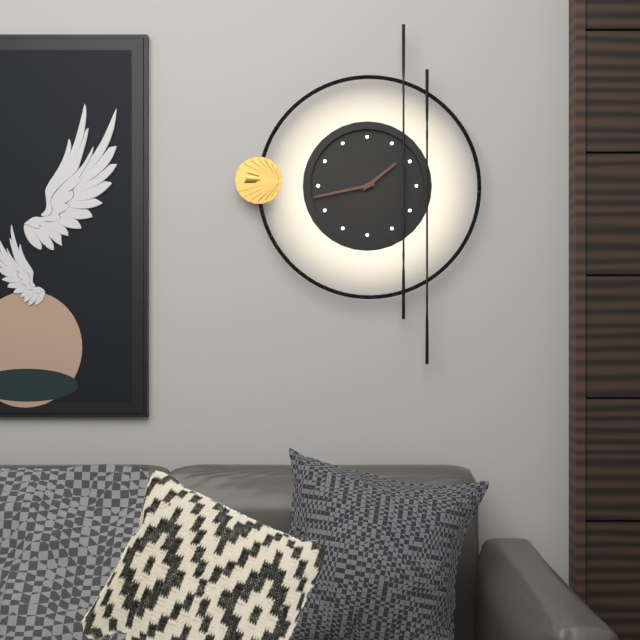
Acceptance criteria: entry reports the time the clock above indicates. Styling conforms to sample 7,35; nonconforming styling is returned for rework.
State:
1,43
